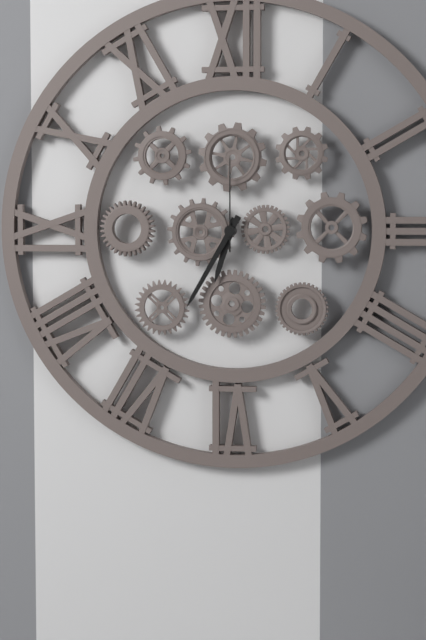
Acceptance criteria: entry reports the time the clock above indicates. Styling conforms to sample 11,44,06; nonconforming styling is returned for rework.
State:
6,35,00
